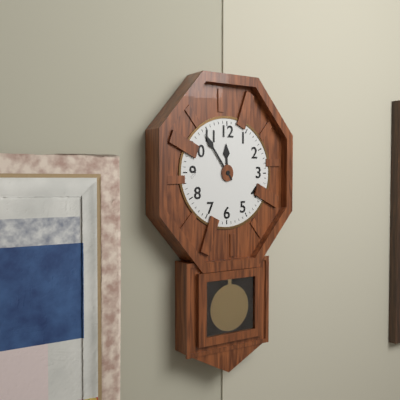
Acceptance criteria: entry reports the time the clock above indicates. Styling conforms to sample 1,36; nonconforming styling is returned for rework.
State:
11,54
